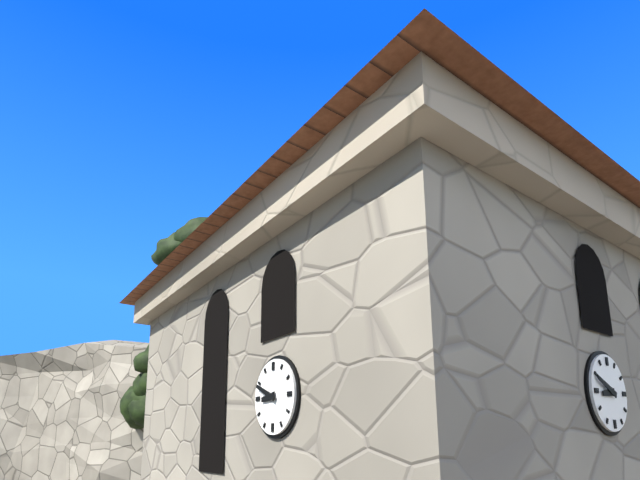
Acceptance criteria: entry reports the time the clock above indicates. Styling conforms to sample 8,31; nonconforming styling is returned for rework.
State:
8,49
